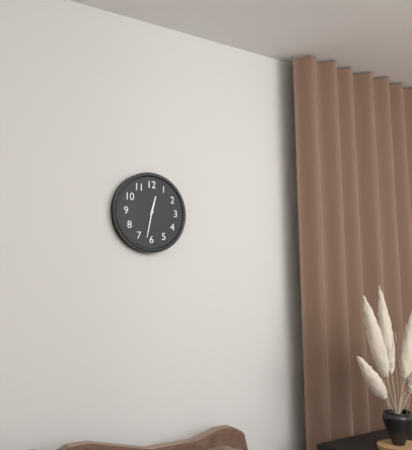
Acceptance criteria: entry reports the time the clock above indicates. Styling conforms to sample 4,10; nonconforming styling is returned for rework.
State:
12,32
